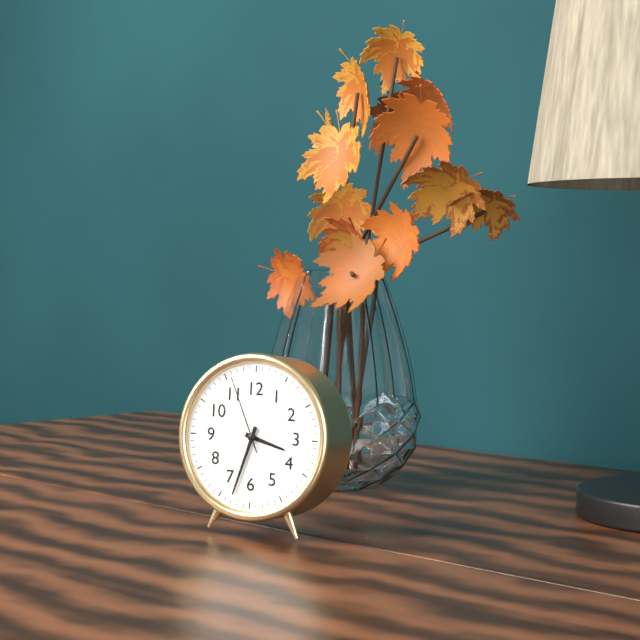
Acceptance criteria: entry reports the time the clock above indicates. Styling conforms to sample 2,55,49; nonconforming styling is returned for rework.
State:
3,33,56
